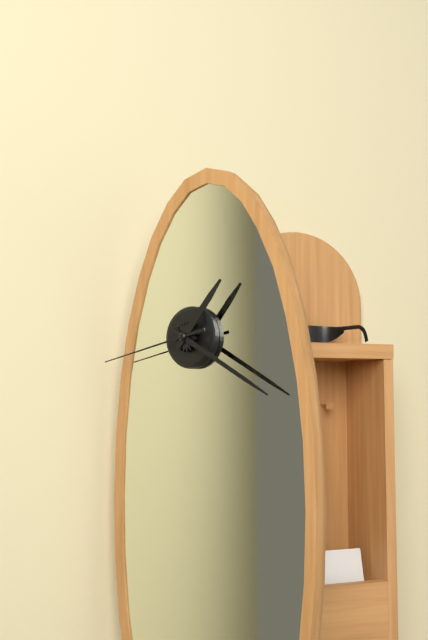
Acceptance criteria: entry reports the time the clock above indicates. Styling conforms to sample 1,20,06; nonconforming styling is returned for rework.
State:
1,20,43
